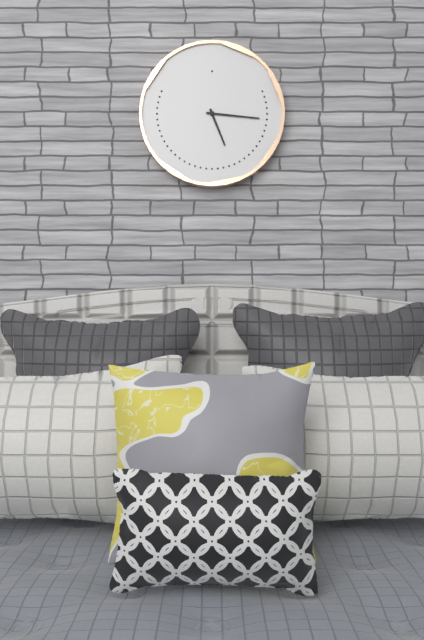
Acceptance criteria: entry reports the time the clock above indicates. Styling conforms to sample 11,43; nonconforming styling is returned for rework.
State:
5,16
